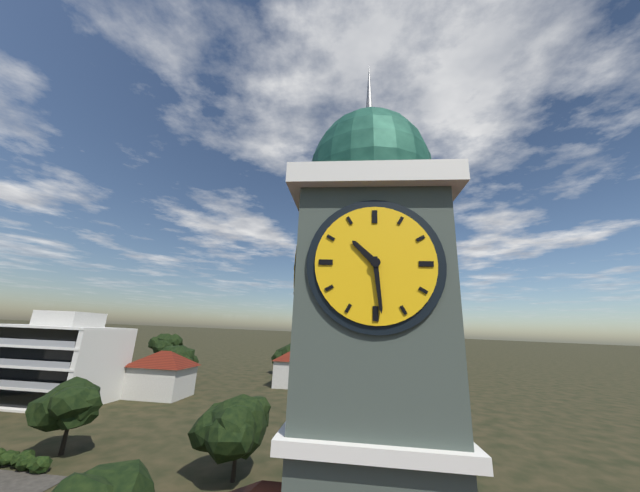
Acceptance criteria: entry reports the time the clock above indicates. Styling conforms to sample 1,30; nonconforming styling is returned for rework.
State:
10,29
